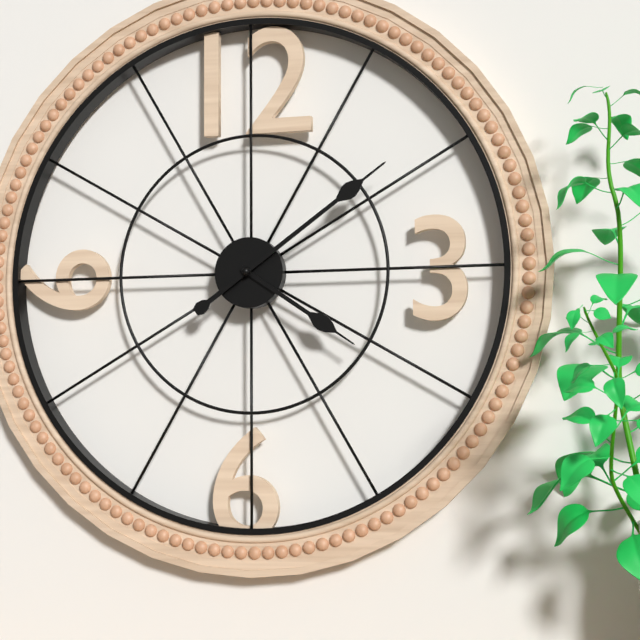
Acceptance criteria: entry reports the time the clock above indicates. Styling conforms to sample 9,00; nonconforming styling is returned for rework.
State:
4,09
